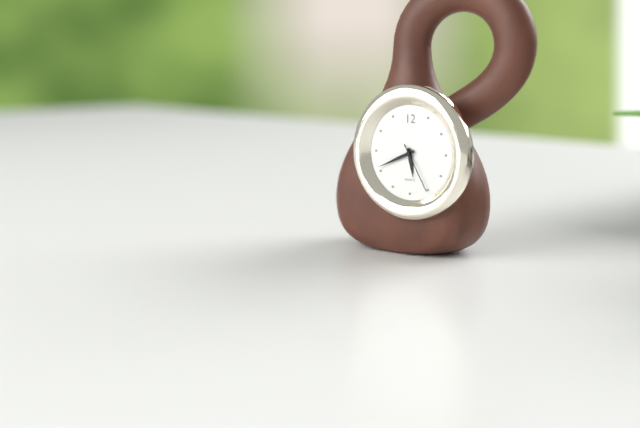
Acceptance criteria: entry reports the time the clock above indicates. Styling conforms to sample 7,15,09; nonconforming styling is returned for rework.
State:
5,41,25
